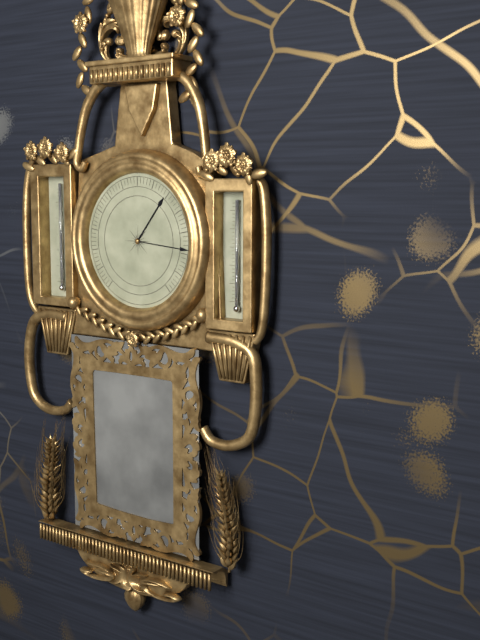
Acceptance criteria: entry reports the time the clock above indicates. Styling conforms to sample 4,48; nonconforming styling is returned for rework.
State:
1,16
